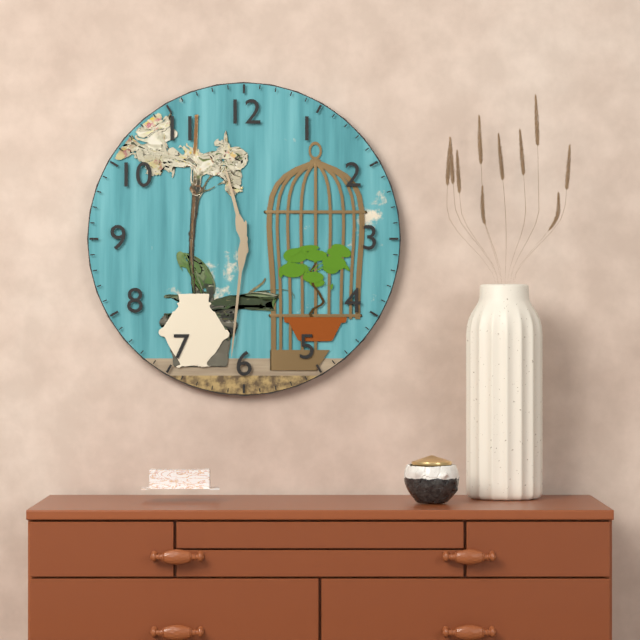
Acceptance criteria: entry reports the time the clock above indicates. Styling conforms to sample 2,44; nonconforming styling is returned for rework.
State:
11,31
